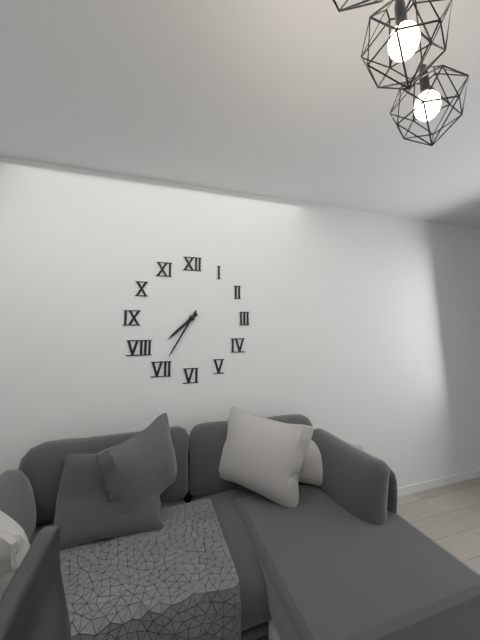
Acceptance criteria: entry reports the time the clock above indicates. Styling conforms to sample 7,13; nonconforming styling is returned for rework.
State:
7,35
